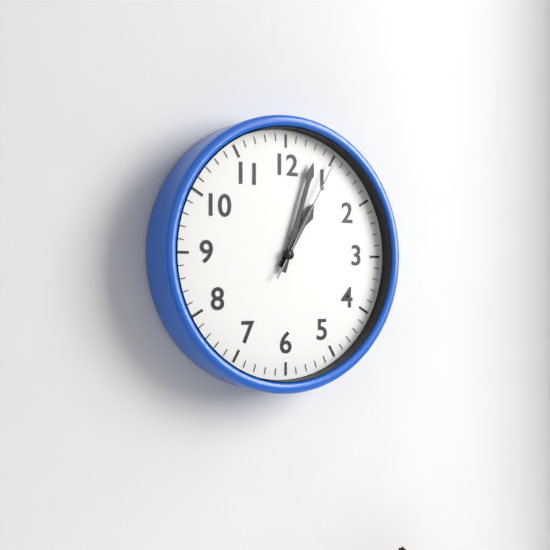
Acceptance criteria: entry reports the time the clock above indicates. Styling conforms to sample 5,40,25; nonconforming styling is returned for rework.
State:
1,03,05
